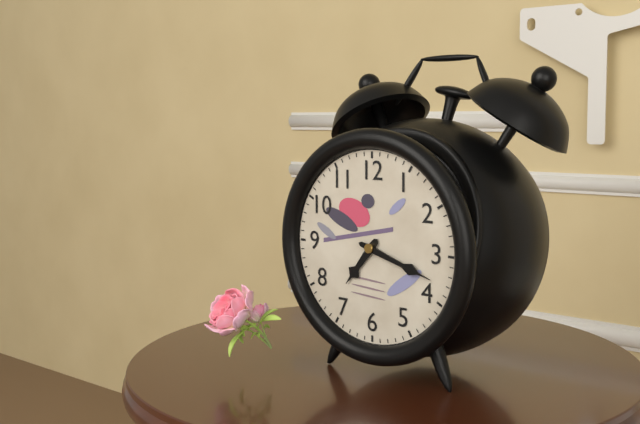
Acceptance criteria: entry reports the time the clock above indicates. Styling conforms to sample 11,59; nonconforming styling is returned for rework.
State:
7,18
